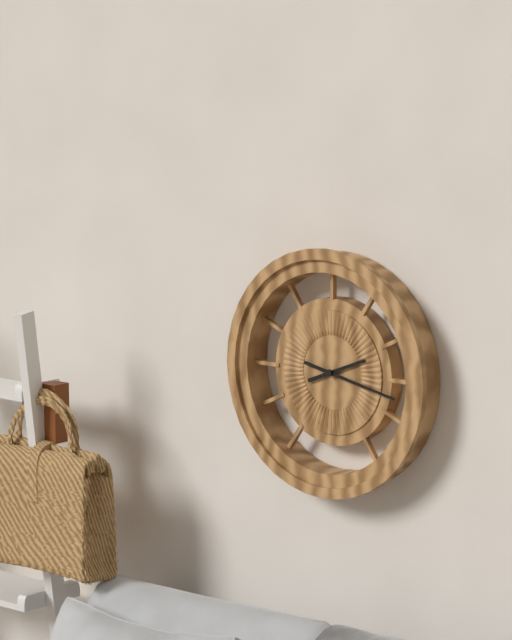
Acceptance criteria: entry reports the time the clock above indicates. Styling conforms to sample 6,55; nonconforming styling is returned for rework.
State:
2,17
